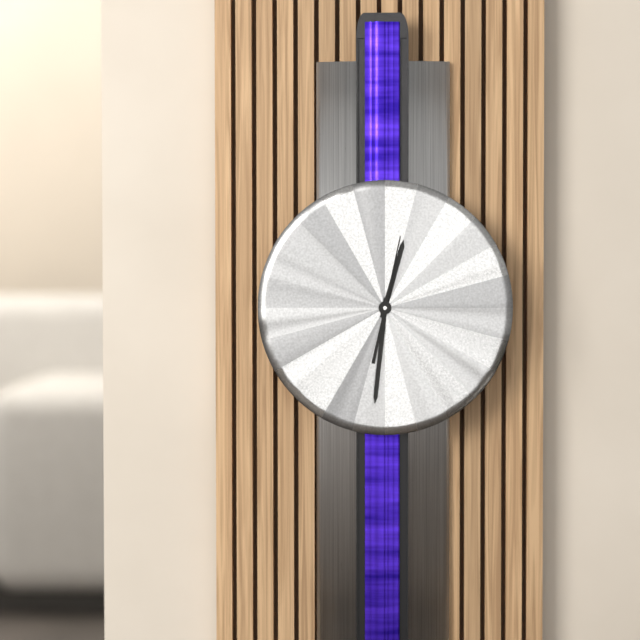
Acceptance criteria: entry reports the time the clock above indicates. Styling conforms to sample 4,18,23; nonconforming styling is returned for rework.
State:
12,31,02
